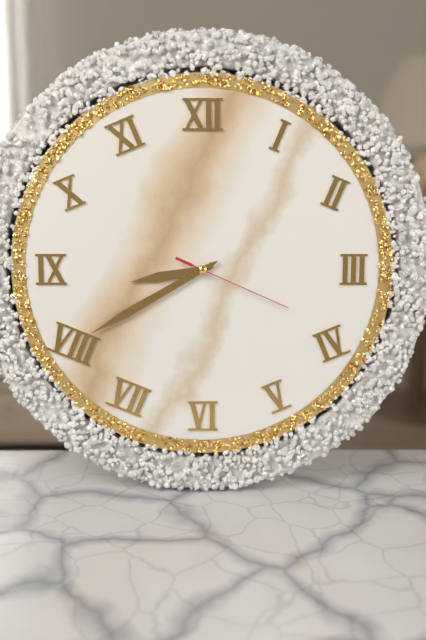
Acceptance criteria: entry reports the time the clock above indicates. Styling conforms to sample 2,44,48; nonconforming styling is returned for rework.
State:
8,40,19
